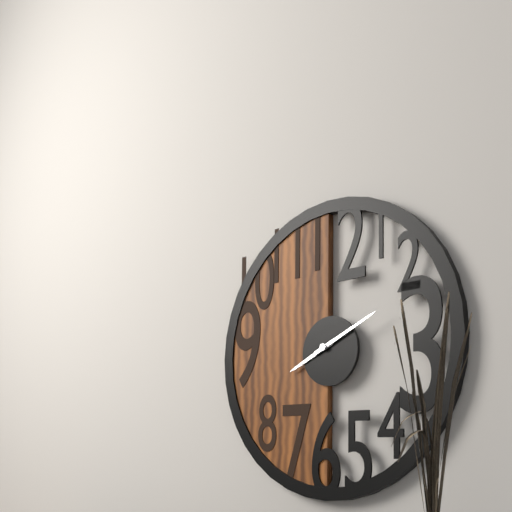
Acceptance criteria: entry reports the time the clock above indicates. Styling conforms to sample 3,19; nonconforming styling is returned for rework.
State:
8,11
